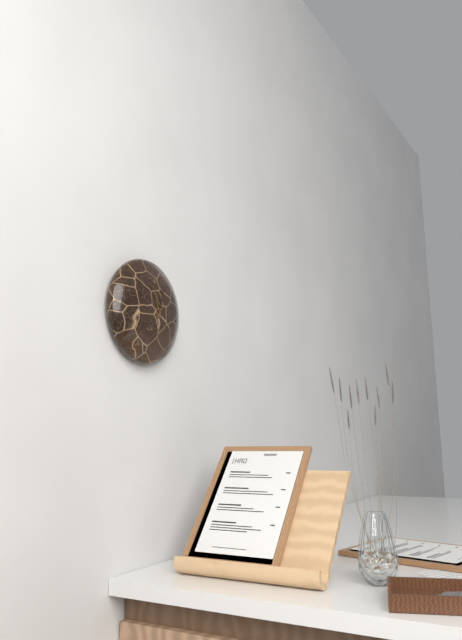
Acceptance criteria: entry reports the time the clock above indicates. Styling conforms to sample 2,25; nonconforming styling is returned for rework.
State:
11,02
